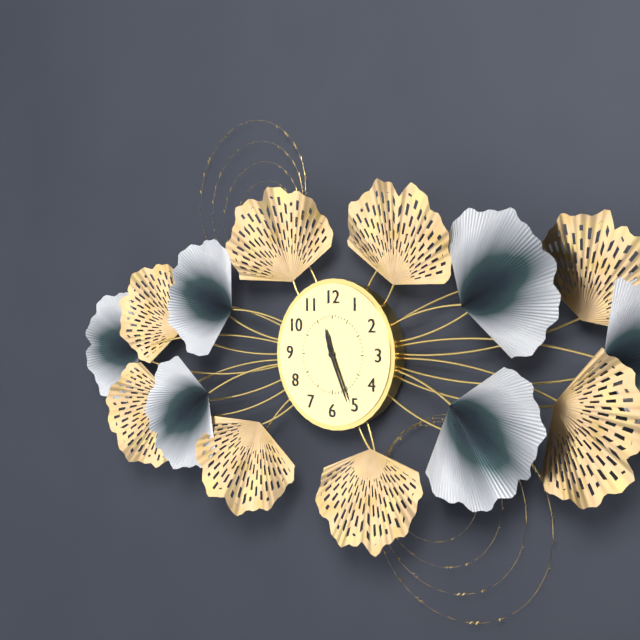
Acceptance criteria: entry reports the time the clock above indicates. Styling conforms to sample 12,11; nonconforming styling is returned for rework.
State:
11,26
